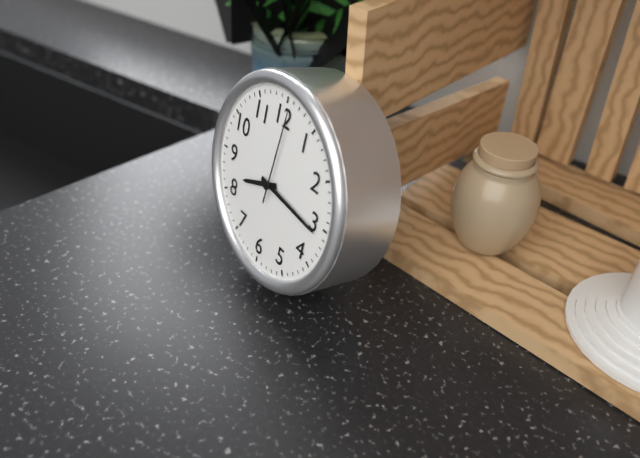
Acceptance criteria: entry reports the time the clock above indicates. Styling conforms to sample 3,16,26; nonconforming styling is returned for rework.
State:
8,16,01
